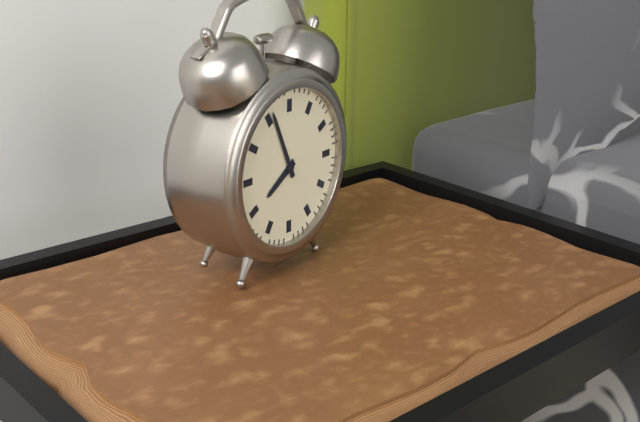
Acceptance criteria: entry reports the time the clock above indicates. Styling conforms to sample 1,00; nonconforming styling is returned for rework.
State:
7,56
